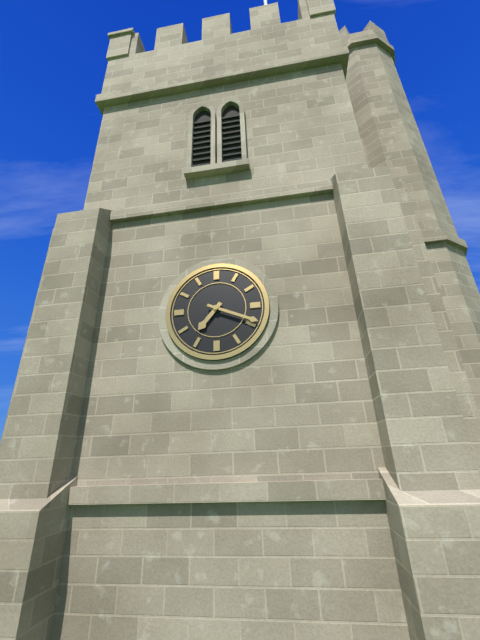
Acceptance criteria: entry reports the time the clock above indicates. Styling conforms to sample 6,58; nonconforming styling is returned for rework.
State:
7,19
